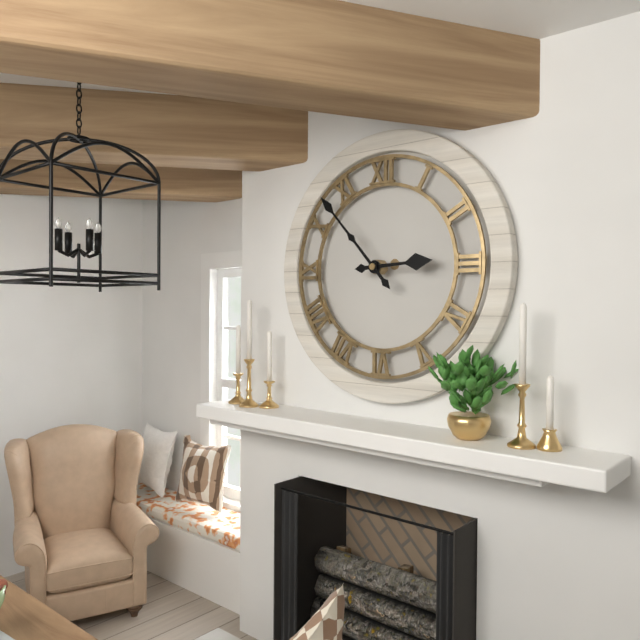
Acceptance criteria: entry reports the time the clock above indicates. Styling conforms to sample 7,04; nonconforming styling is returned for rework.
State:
2,53
